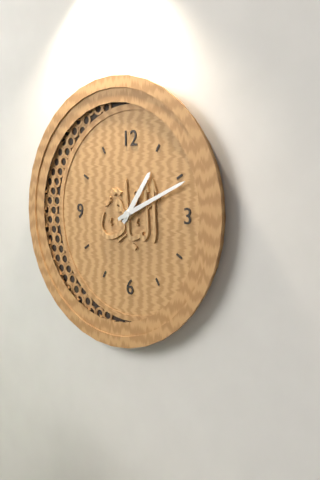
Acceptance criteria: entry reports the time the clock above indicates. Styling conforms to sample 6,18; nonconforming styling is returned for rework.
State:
1,11
